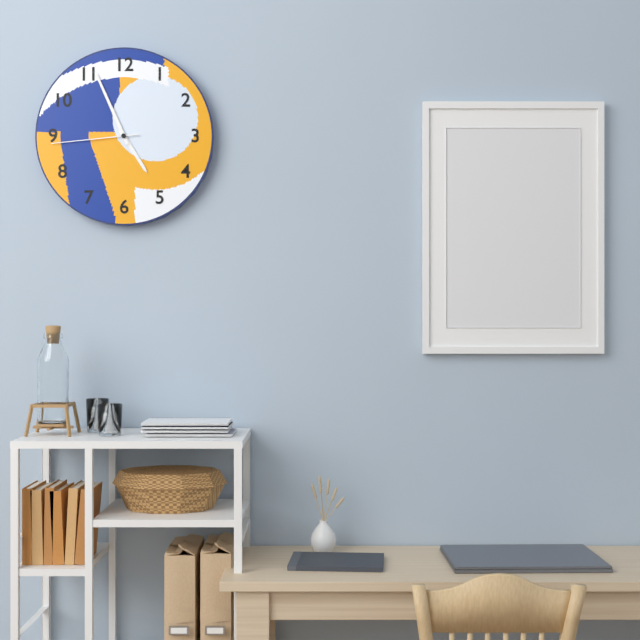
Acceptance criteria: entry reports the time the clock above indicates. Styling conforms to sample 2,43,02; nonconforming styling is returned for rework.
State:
4,56,44
